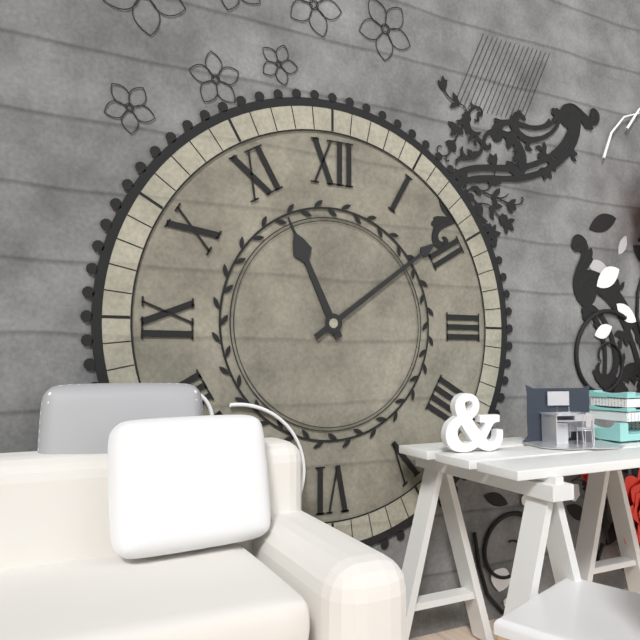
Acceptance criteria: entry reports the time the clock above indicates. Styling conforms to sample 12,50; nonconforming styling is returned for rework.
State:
11,09
